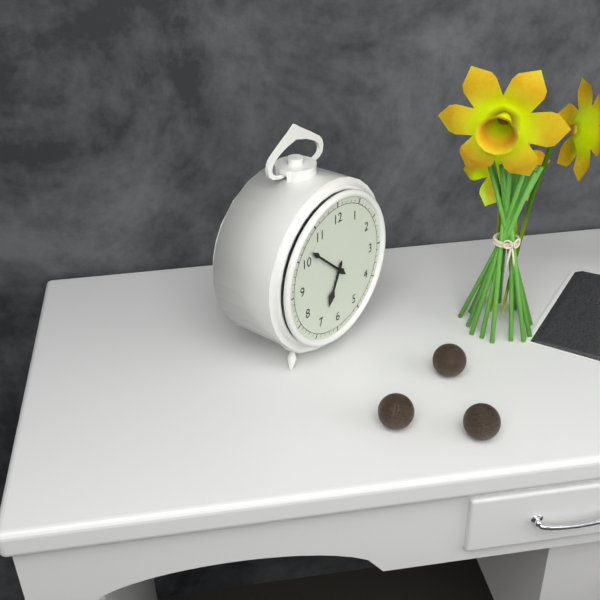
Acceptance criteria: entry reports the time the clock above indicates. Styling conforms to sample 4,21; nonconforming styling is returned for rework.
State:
6,52
